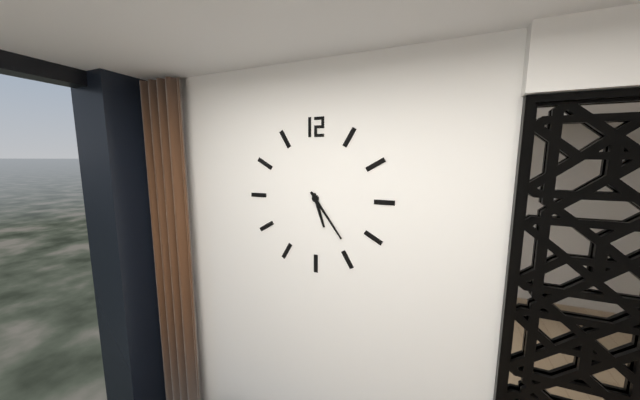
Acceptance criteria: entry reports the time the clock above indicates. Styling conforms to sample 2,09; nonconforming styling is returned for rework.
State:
5,24
